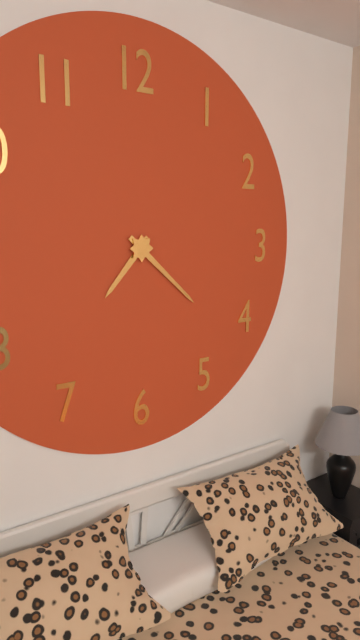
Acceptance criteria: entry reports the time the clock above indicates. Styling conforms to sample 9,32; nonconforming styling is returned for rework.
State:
7,22
